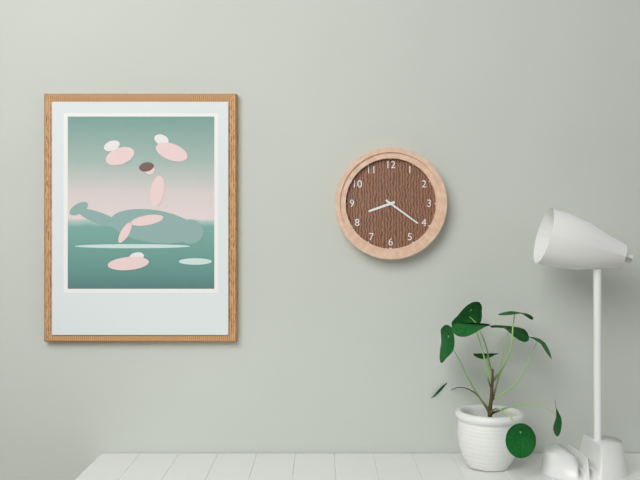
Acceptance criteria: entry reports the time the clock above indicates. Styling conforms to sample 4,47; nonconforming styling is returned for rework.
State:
8,21
